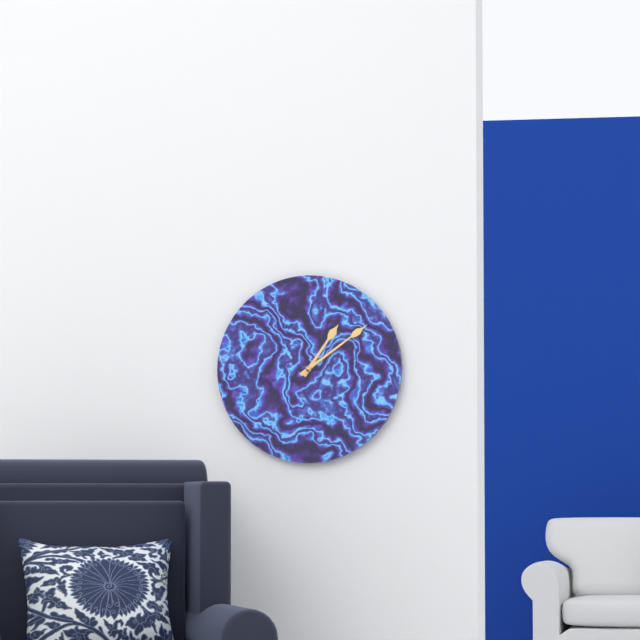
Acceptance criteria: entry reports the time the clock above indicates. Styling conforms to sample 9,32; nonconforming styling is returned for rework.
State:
1,09
